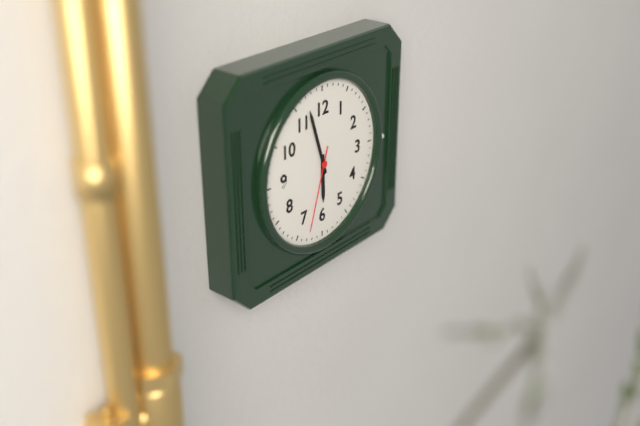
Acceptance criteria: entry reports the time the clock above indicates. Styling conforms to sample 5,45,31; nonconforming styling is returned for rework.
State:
5,57,33
